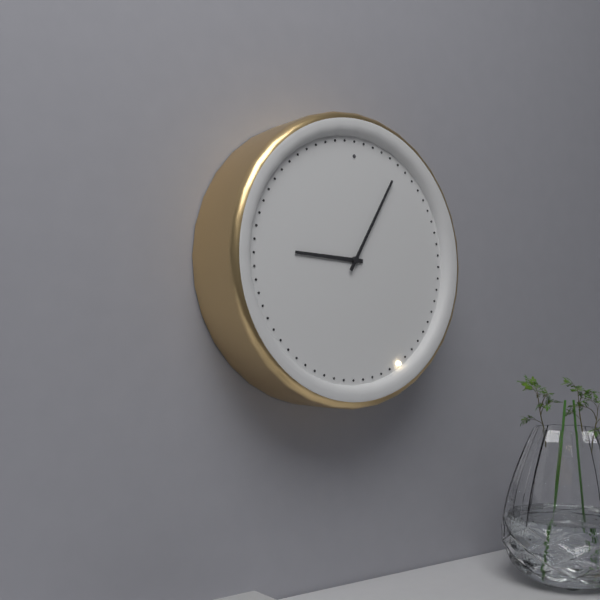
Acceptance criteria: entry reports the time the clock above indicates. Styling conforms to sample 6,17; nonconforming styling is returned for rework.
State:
9,05
